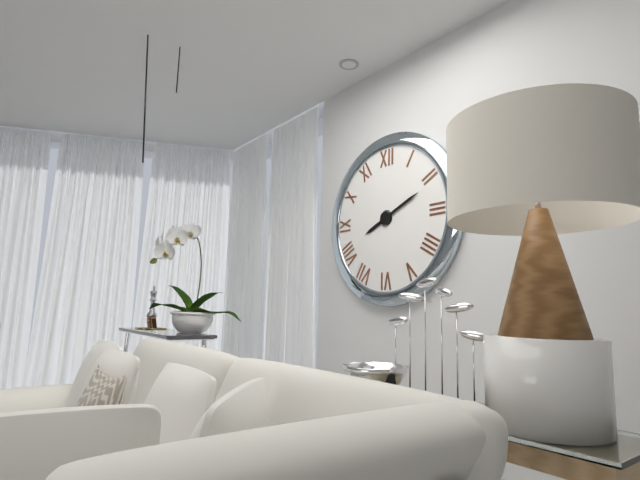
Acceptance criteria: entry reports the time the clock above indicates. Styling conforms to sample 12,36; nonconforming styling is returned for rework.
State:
8,11
